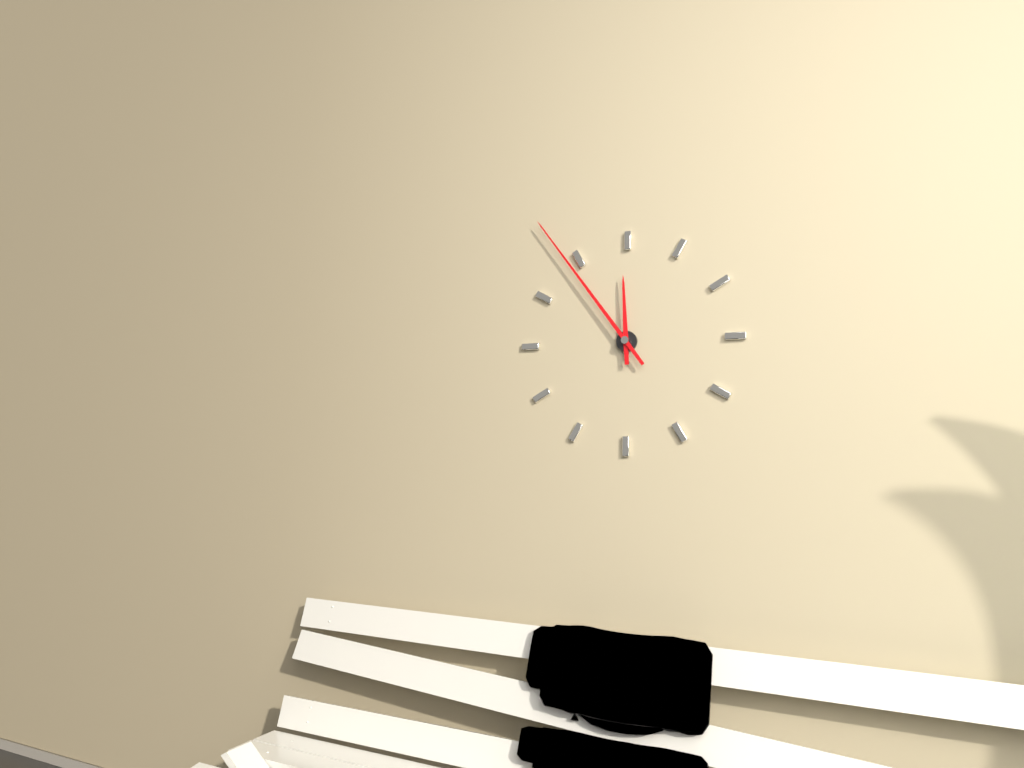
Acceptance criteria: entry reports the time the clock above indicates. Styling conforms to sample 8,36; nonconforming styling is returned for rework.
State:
11,54
